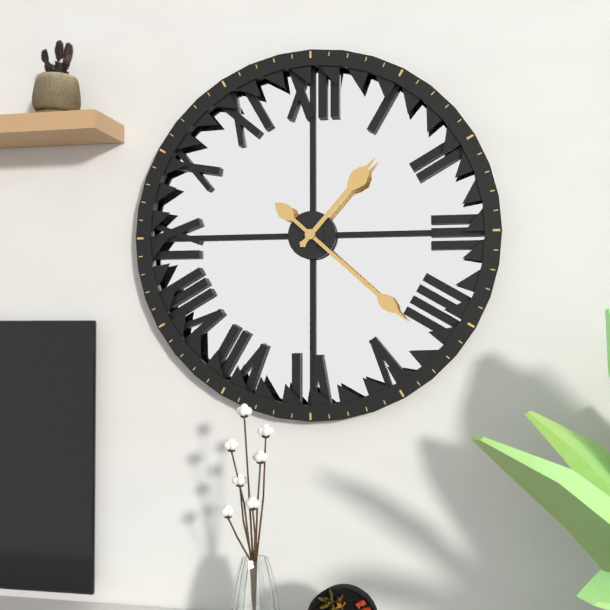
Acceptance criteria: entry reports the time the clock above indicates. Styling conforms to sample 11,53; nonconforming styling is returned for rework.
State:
1,22
